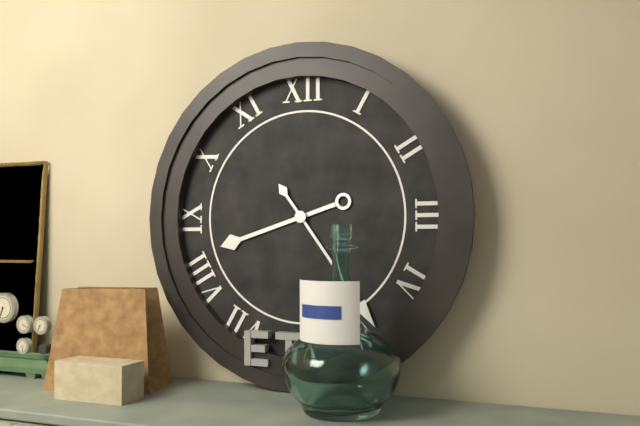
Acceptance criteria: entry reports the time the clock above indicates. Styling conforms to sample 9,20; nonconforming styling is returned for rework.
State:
8,24
